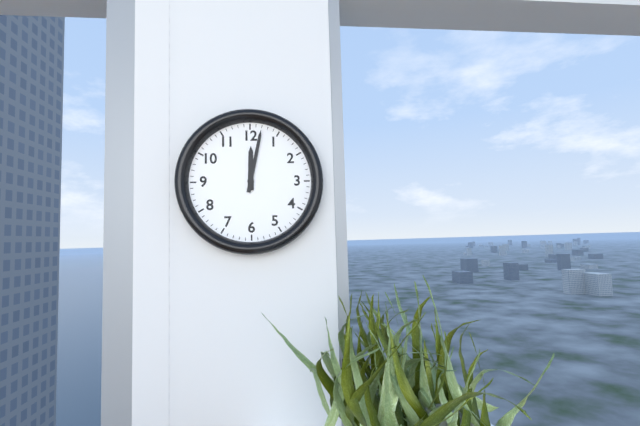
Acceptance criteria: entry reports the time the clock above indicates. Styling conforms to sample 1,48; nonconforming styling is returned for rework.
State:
12,02
